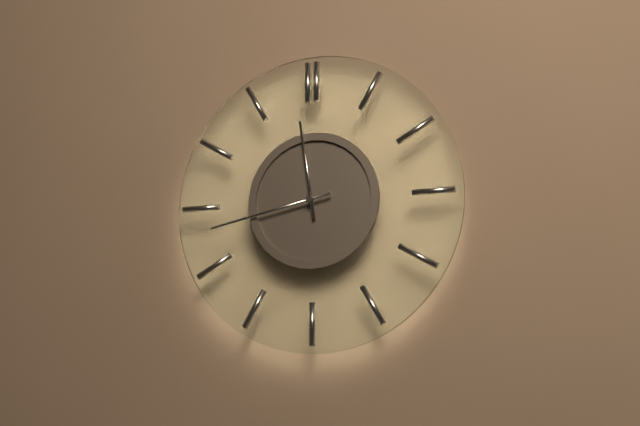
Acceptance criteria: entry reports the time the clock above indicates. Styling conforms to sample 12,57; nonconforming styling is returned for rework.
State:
11,43
